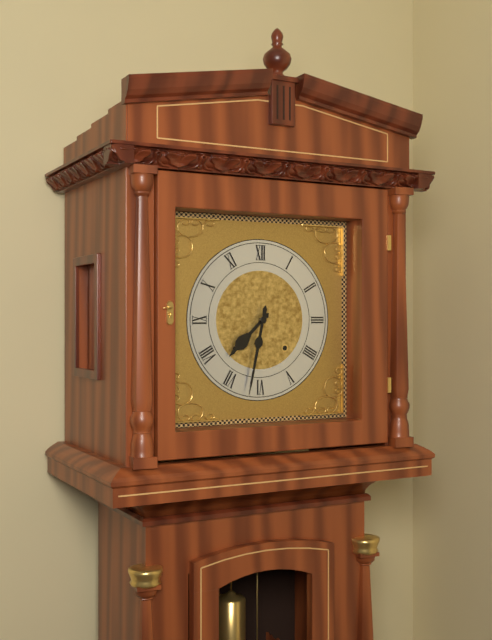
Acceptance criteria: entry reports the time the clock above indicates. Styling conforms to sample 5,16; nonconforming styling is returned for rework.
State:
7,32
